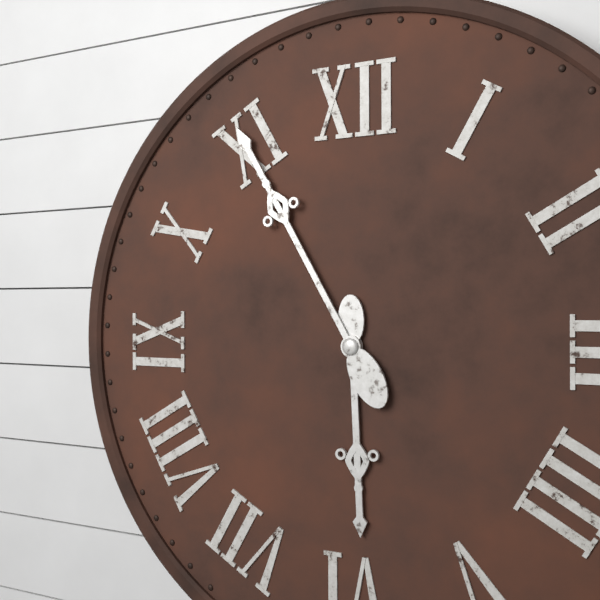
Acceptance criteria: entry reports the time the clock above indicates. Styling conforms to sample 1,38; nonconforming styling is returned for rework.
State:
5,55
